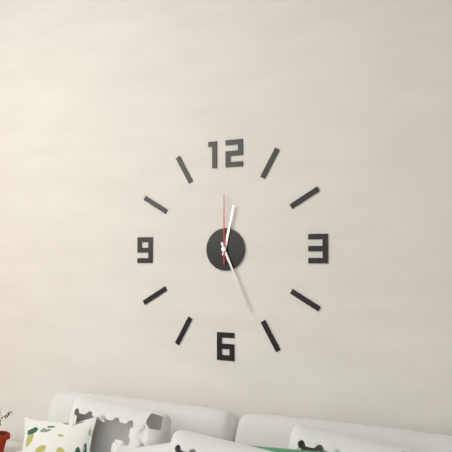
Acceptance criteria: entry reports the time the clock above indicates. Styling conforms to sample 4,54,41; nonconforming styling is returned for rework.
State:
12,26,00
